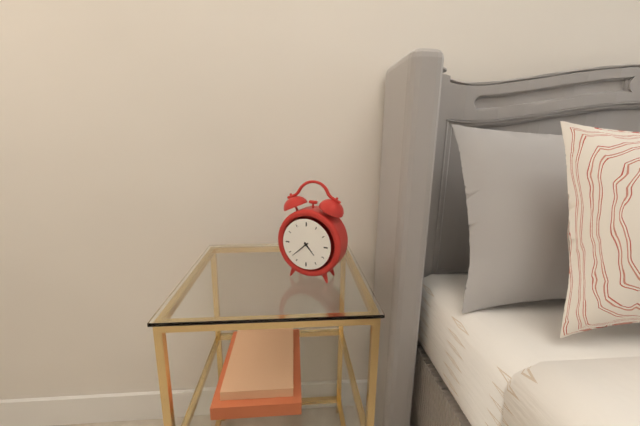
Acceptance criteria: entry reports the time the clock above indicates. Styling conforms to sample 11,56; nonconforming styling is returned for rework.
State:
4,38
